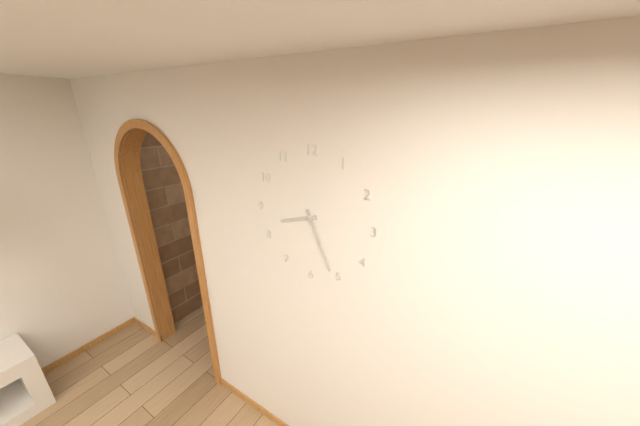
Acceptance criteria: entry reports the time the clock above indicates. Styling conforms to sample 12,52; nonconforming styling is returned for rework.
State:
8,26
